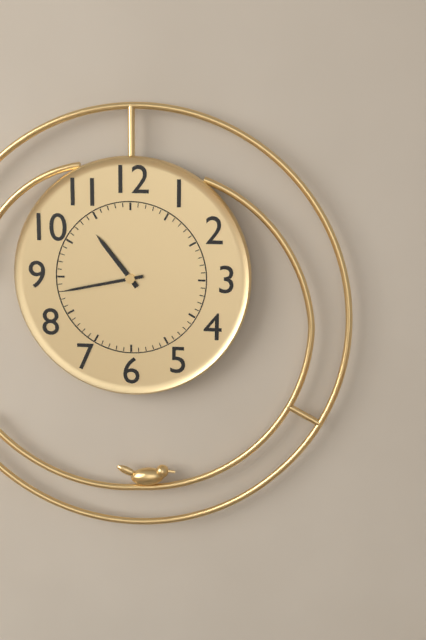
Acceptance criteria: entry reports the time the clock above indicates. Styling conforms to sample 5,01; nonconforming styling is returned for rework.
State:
10,43
